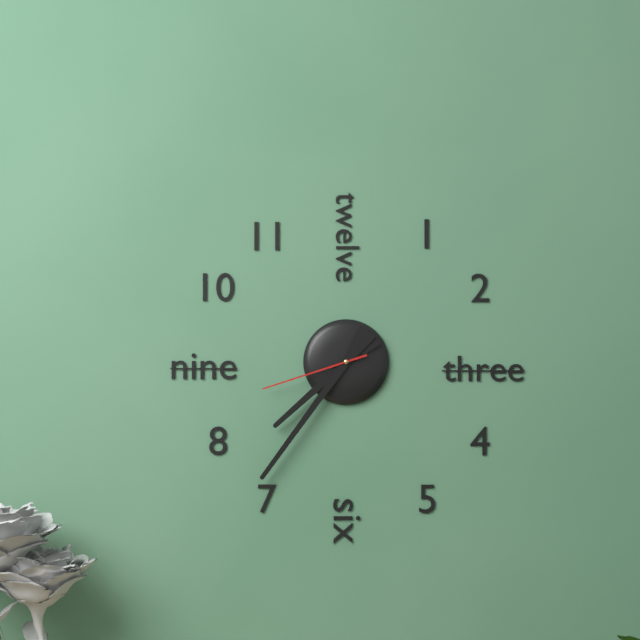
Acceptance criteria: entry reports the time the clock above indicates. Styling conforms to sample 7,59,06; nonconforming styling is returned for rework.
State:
7,36,42
